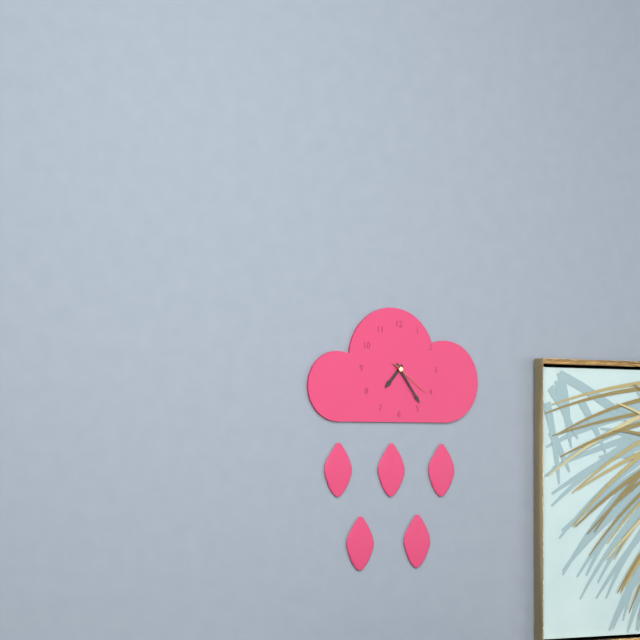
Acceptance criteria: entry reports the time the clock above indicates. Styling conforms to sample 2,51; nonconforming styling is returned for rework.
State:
7,24
